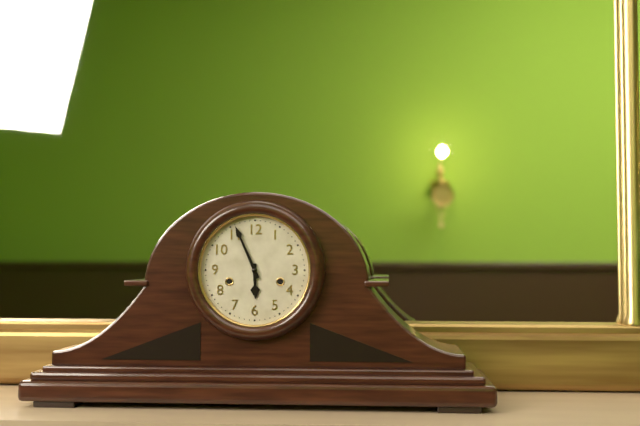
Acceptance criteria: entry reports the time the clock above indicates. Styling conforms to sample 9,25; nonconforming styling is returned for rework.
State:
5,56
